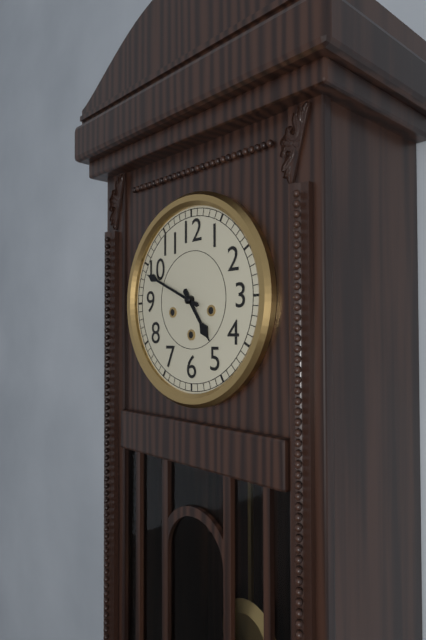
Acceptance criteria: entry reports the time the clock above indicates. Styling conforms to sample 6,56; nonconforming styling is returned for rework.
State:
4,49
